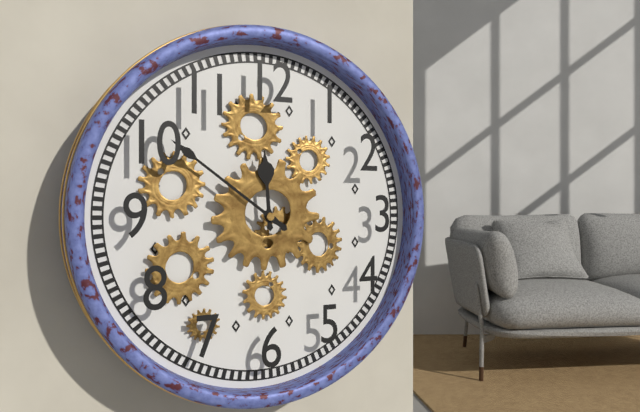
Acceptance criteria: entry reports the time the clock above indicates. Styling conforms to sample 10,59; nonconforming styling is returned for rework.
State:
11,51
